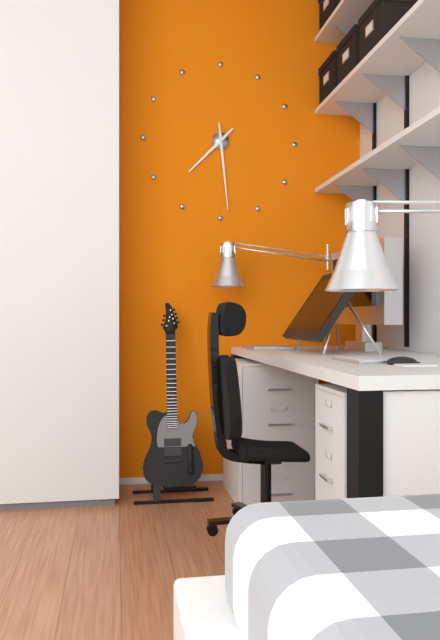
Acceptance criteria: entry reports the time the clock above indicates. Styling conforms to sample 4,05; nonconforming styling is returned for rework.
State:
7,29
